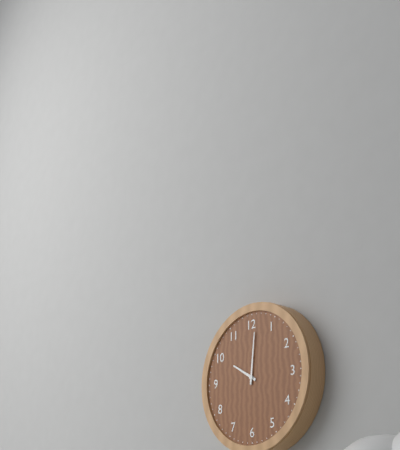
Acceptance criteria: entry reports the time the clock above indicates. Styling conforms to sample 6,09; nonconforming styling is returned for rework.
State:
10,01
